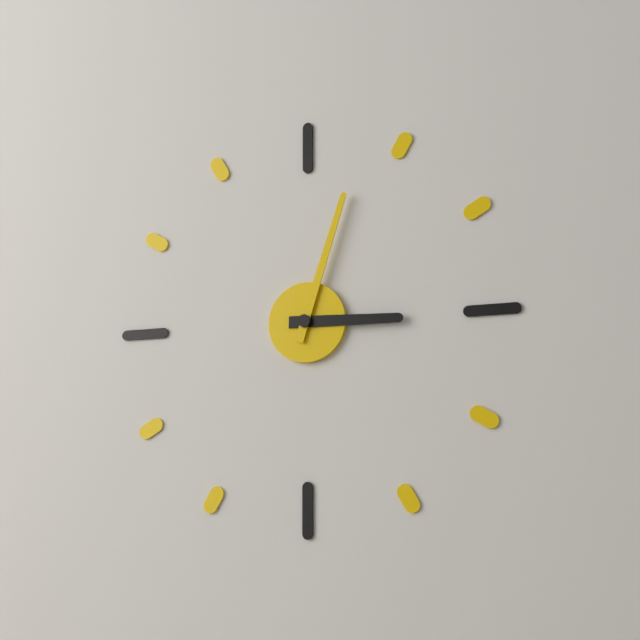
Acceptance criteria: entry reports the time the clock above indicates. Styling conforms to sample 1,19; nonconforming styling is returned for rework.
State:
3,03
